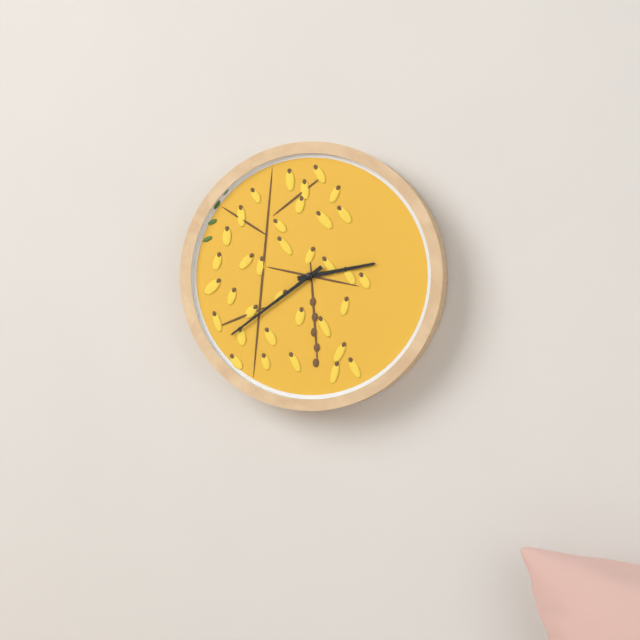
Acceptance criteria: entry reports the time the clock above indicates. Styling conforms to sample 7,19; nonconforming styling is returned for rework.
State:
2,39
